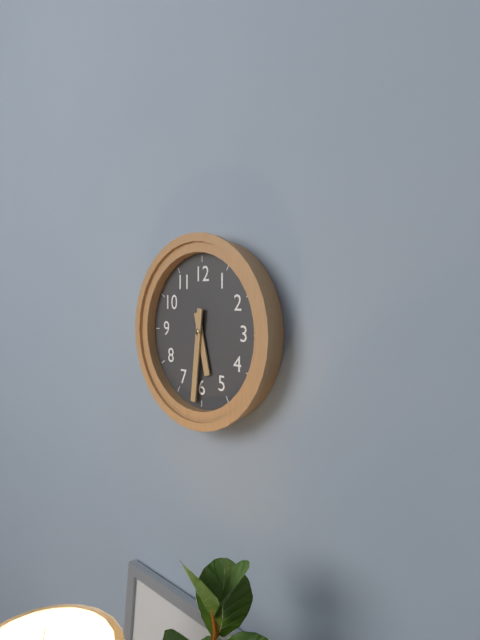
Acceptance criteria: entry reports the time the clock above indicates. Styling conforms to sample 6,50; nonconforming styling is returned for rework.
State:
5,31
